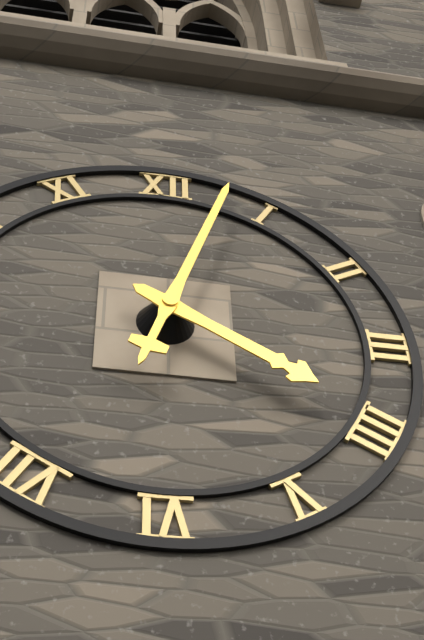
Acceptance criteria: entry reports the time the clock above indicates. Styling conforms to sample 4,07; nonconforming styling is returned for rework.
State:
4,03
